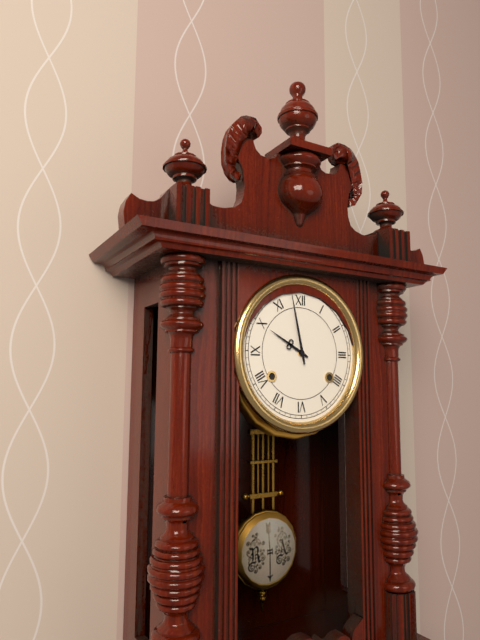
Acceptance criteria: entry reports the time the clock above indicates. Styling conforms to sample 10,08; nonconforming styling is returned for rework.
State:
9,58
